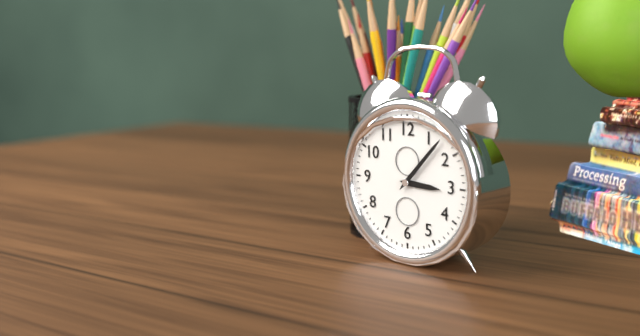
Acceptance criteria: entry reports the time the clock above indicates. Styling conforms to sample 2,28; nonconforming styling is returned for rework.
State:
3,07
